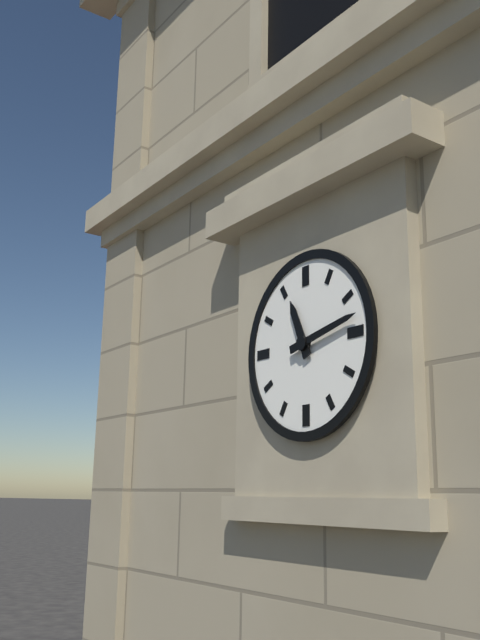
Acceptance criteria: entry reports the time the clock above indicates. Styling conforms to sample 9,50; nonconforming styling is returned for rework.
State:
11,13
